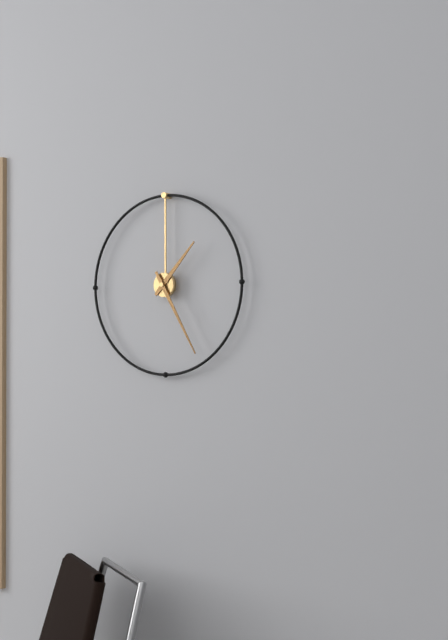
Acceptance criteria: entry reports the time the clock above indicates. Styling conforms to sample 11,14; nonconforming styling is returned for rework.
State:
1,25
